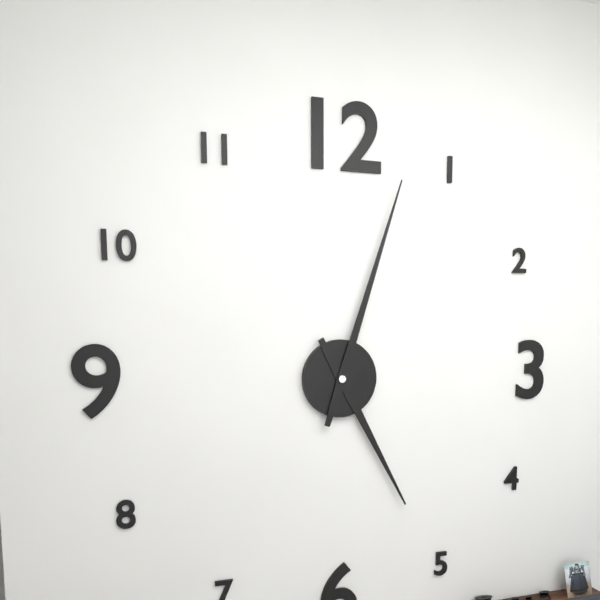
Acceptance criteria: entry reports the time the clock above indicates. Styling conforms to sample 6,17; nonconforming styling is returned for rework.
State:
5,03
